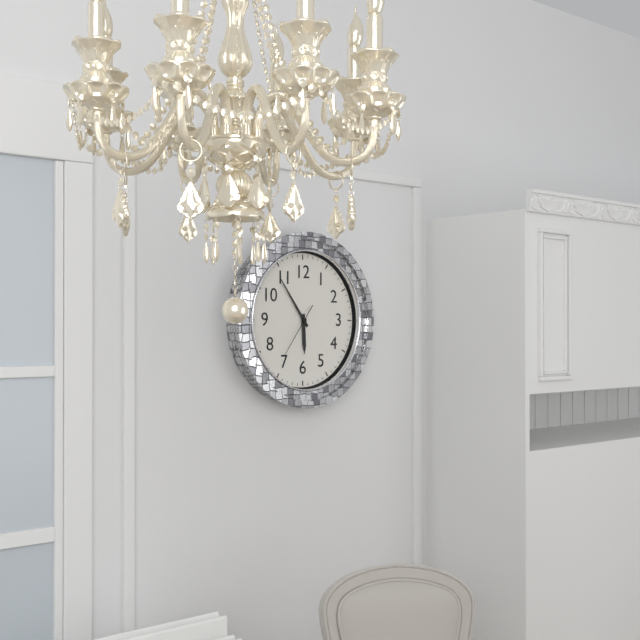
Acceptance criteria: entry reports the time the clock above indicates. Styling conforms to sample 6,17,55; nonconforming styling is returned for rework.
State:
5,54,36
